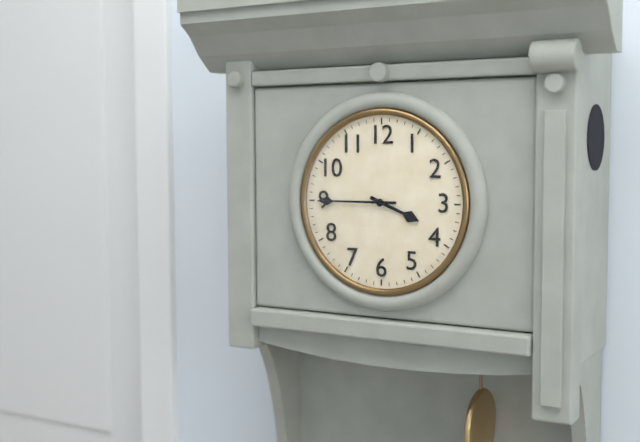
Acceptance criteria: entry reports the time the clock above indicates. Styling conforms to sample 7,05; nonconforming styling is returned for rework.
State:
3,45
